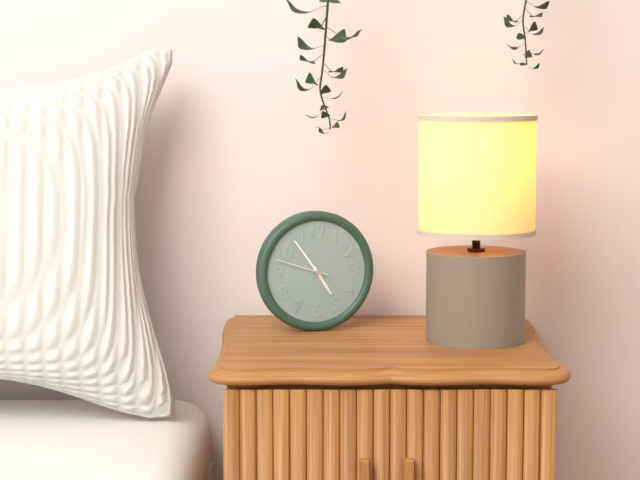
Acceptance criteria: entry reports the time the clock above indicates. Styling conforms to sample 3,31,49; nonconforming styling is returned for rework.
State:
4,54,48
